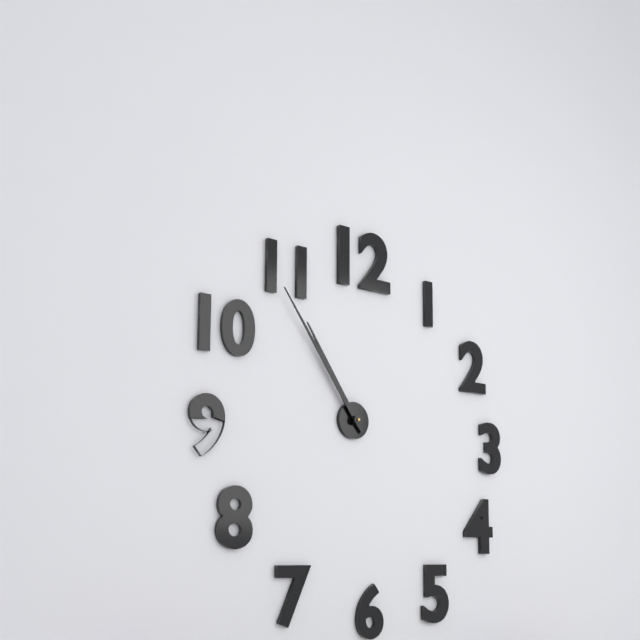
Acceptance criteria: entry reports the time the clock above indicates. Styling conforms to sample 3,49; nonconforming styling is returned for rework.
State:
10,54
